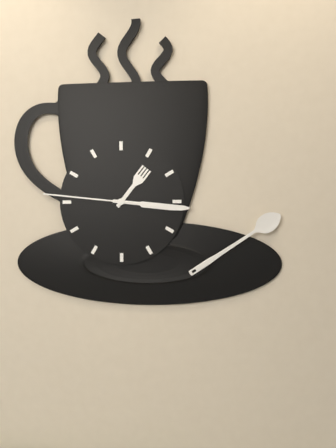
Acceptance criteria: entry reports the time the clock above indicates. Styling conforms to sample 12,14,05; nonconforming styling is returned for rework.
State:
1,16,46
